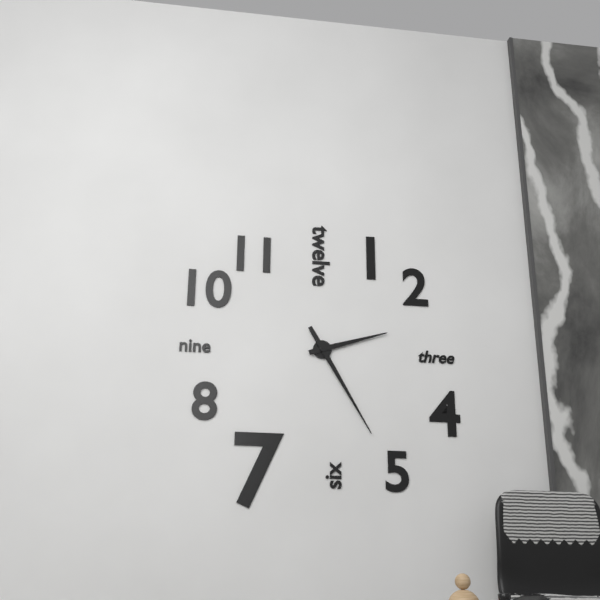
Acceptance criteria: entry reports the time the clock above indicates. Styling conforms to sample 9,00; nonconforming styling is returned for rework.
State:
2,25
